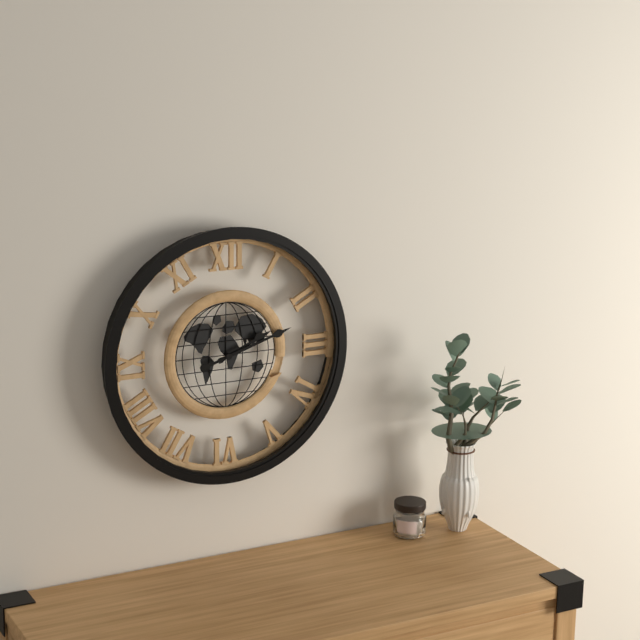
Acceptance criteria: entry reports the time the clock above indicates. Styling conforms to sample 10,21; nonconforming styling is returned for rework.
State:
2,12
